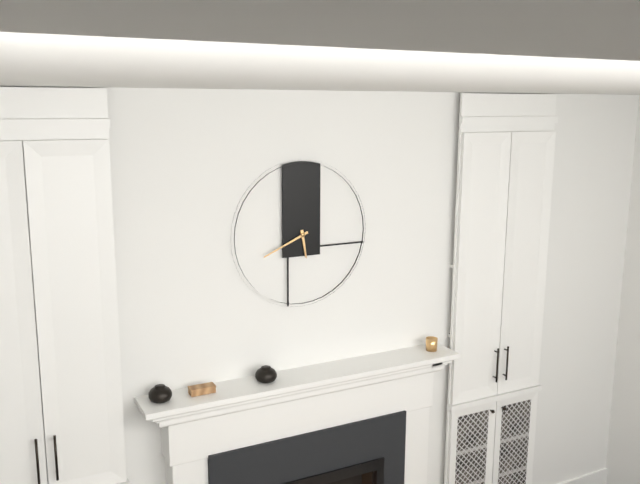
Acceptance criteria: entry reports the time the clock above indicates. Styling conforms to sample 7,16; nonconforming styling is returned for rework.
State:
5,41
